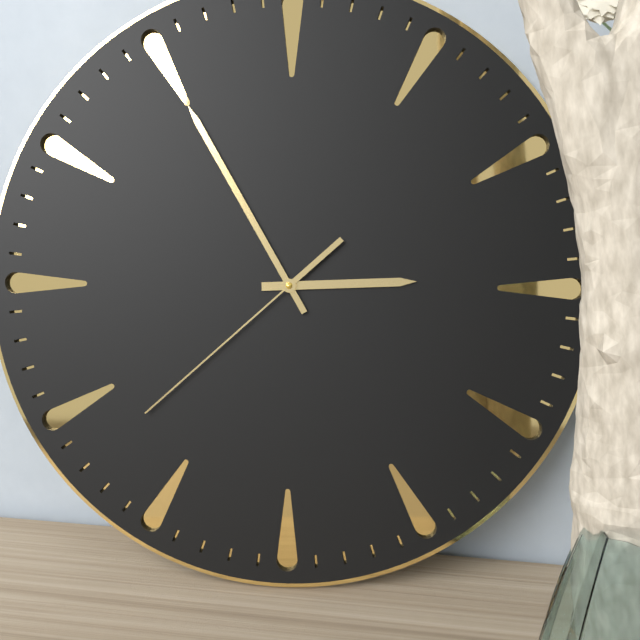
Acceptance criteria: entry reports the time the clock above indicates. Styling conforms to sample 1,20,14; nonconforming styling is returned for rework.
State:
2,55,38
